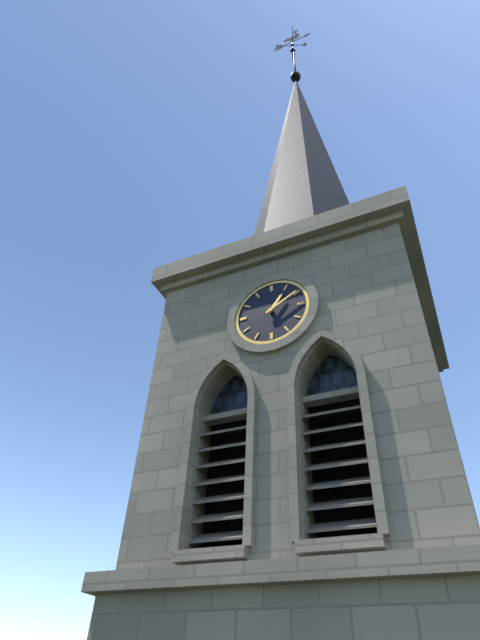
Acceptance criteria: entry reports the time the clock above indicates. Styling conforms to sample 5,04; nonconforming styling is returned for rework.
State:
1,10
